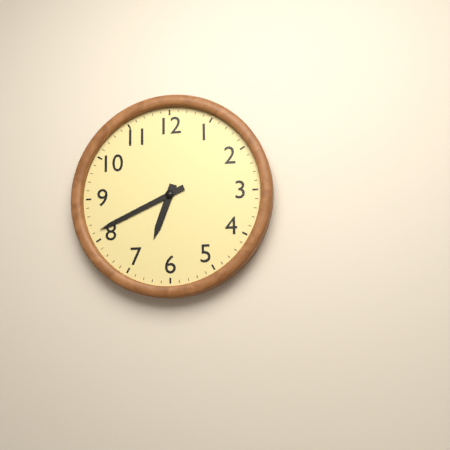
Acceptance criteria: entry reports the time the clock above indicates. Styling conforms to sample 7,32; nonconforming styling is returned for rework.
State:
6,41
